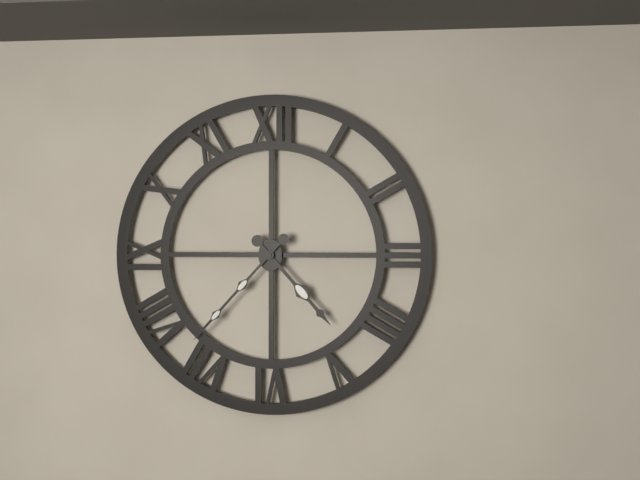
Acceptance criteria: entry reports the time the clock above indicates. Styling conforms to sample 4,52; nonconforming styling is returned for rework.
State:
4,37
